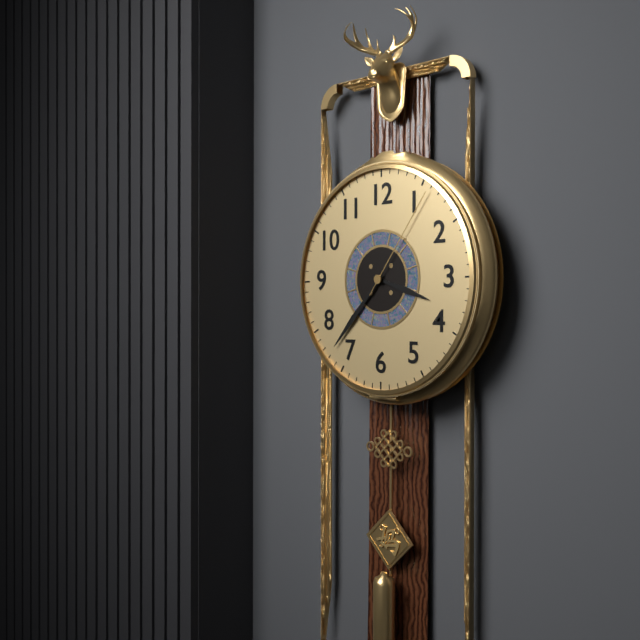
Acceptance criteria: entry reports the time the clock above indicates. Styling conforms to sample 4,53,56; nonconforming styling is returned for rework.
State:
3,37,06
